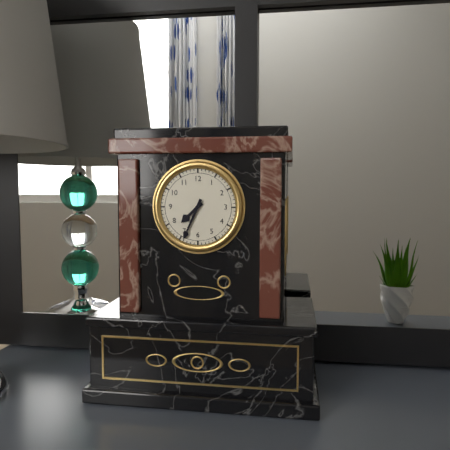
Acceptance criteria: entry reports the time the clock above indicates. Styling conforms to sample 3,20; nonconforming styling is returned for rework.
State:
7,34
